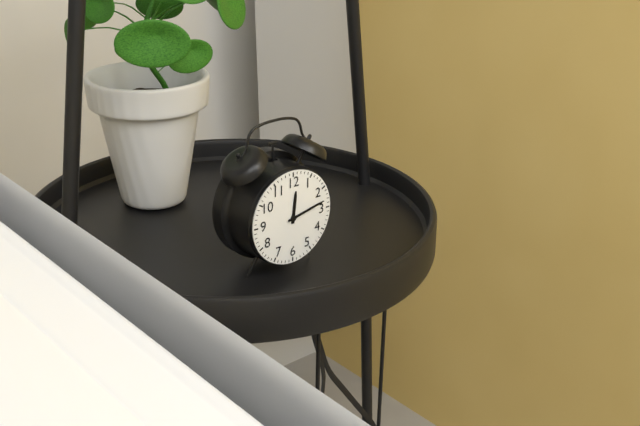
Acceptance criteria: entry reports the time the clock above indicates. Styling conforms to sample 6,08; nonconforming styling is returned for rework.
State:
12,13
